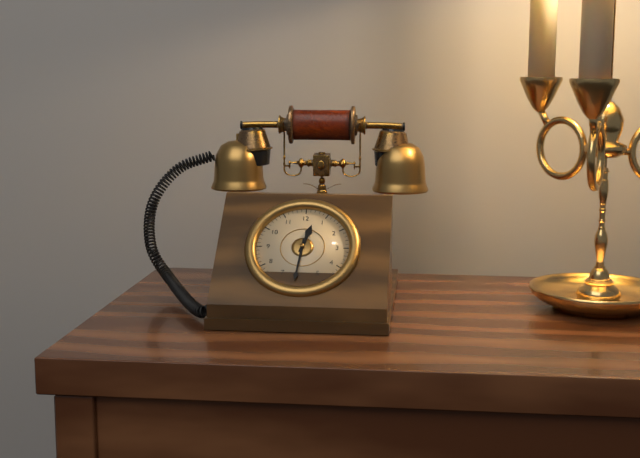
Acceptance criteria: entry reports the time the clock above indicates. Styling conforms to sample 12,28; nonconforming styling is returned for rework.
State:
12,31
